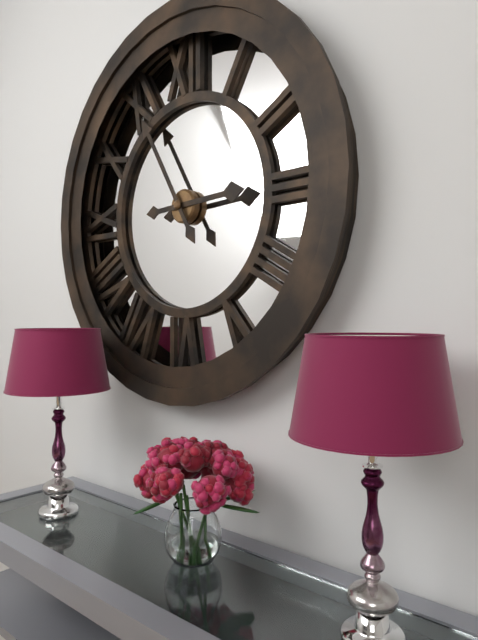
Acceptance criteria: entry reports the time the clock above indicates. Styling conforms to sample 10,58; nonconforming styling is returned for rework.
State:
2,55
